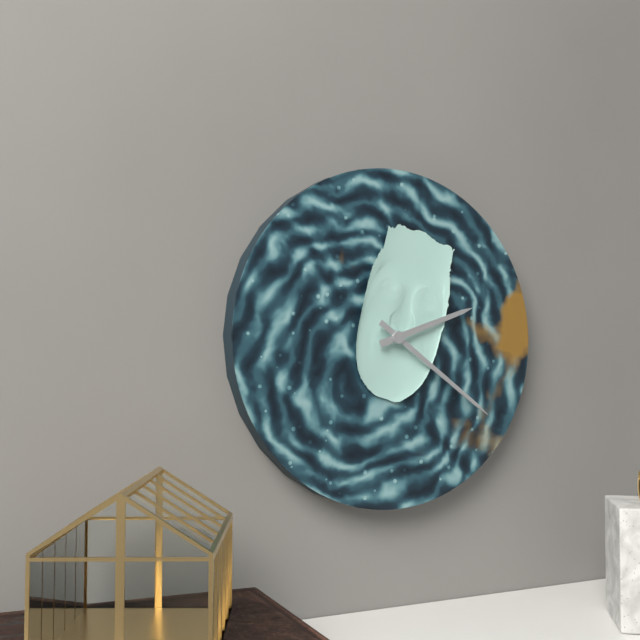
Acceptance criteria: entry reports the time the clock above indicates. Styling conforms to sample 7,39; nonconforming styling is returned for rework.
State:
2,21
